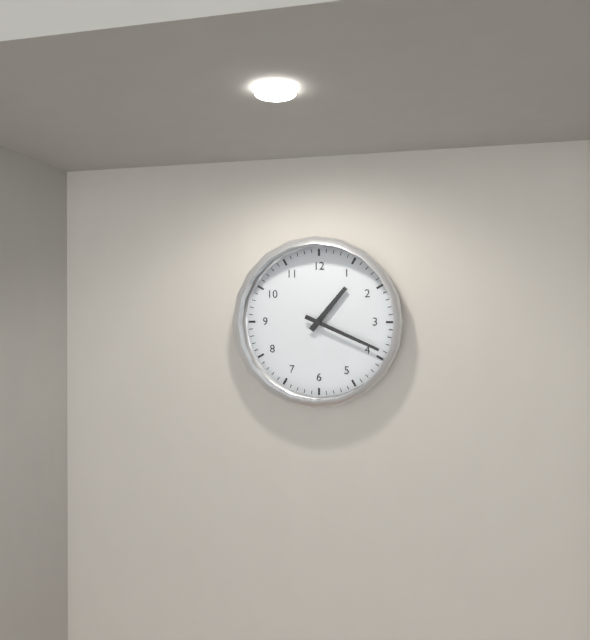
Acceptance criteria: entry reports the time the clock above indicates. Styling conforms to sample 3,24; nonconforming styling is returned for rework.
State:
1,19
